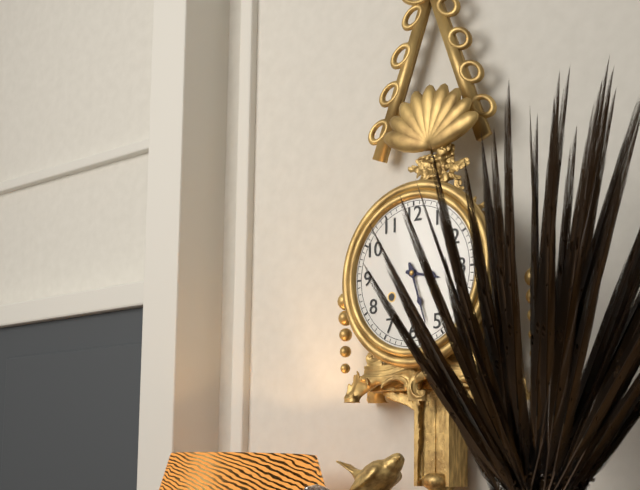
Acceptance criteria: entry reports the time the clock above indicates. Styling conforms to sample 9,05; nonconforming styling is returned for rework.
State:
3,27
